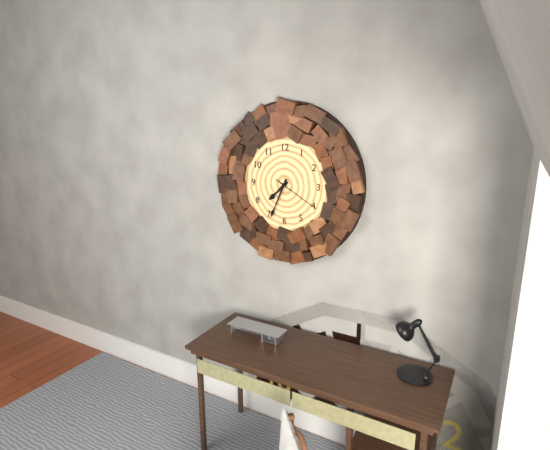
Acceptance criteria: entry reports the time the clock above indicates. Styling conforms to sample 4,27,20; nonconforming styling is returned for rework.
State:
7,34,20
